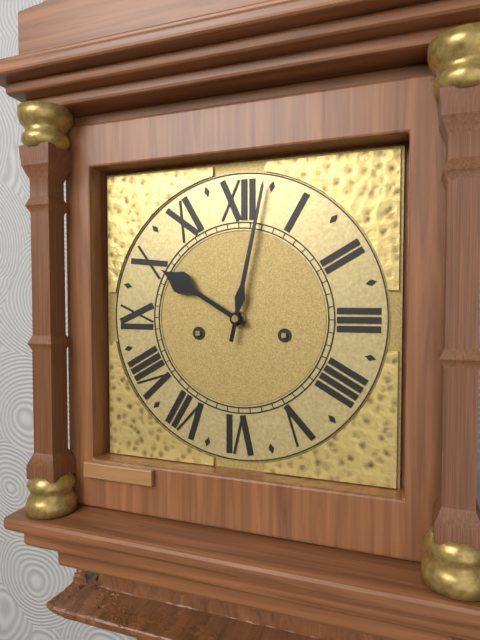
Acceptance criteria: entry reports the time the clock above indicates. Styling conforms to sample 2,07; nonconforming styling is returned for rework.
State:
10,02
